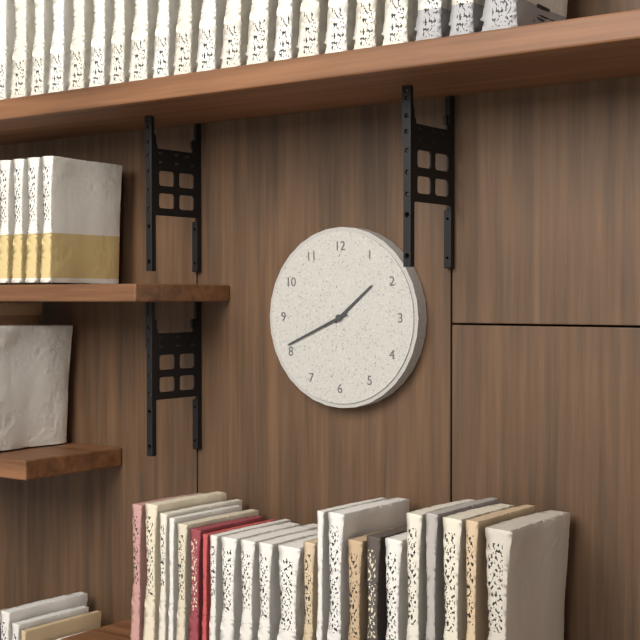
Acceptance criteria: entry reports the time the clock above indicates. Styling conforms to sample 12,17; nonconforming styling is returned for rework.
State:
1,41
